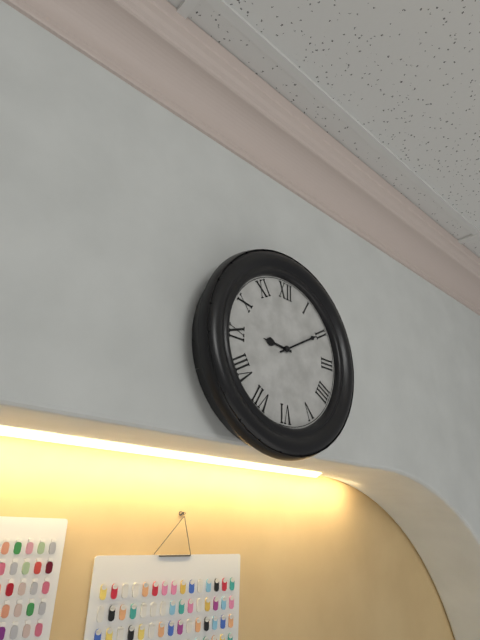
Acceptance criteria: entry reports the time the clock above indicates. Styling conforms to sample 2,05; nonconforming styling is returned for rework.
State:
9,10
